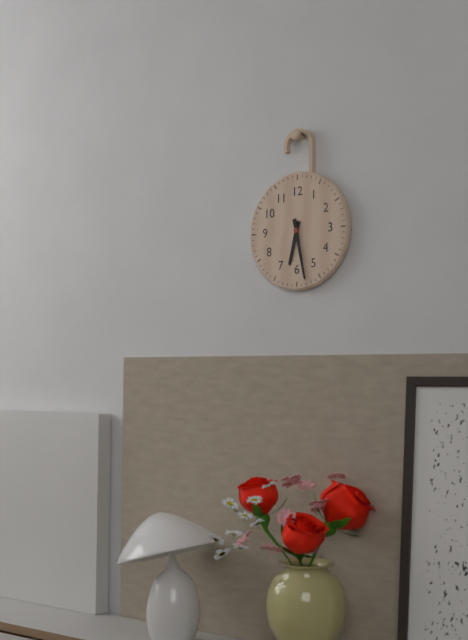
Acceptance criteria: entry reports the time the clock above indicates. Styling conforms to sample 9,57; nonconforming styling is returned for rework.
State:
6,28
